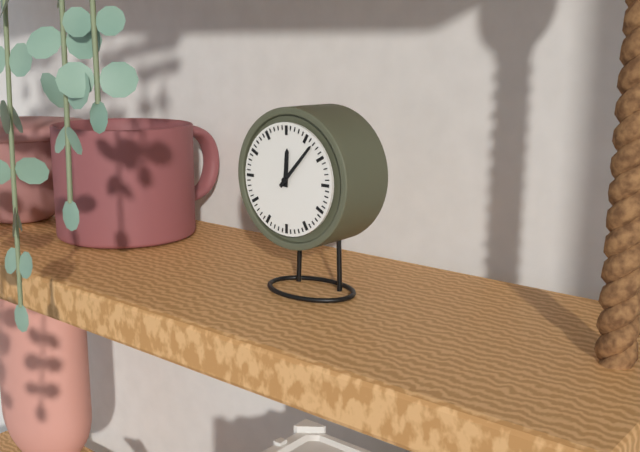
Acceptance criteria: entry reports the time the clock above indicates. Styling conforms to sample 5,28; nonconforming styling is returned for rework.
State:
12,07
